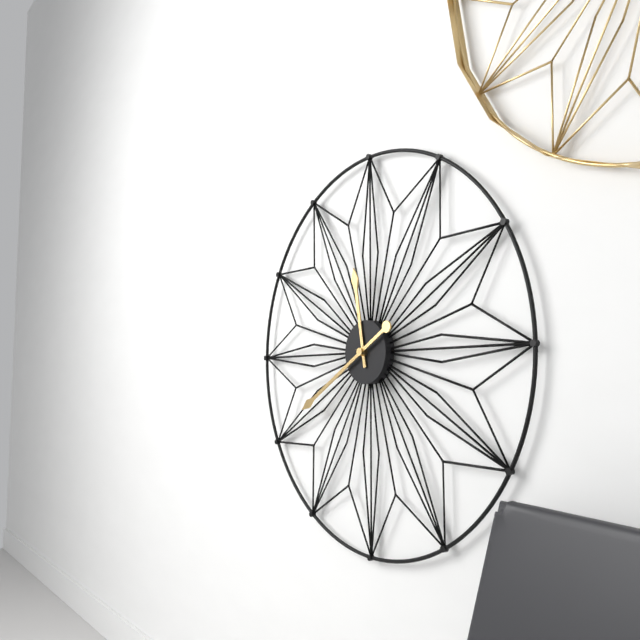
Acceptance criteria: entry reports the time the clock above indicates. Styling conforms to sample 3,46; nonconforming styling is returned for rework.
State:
11,40
